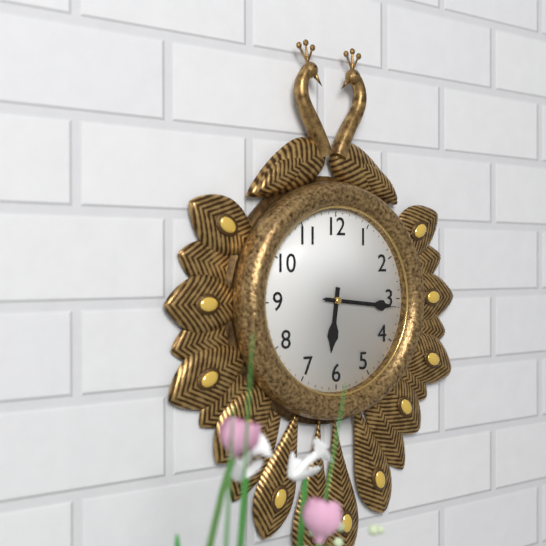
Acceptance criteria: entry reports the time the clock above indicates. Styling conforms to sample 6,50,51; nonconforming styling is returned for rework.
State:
6,16,16
